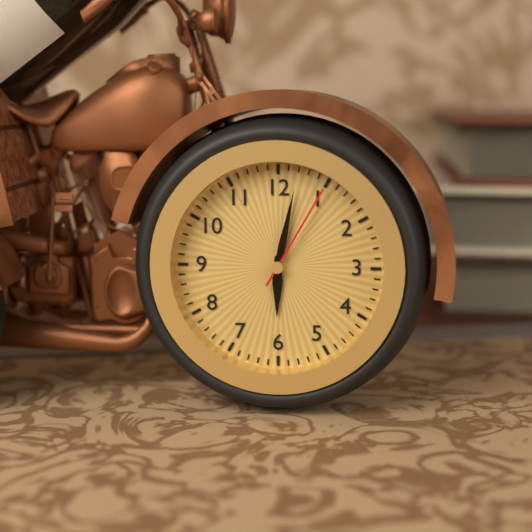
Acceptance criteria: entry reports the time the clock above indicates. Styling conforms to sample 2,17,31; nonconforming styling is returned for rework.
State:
6,02,05
